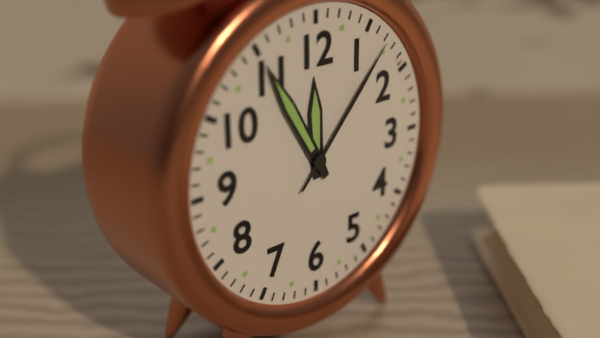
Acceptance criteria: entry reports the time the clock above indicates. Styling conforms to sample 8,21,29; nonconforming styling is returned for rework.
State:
11,55,07
